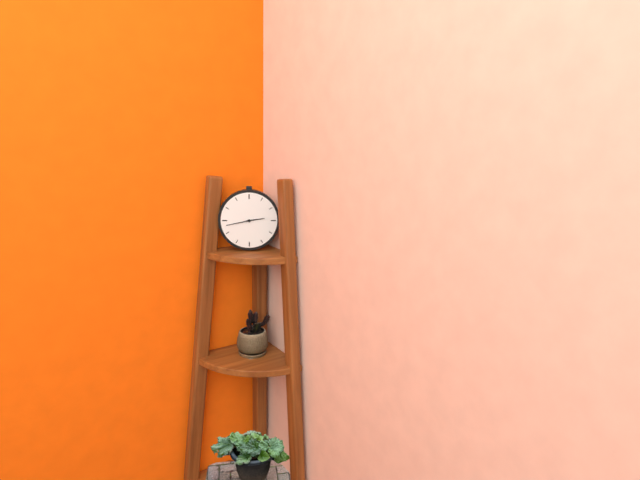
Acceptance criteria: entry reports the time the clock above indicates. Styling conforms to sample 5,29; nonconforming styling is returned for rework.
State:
2,43
